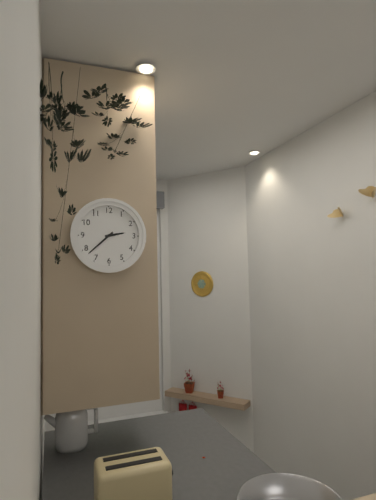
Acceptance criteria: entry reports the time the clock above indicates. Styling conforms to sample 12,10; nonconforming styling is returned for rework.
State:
2,38
